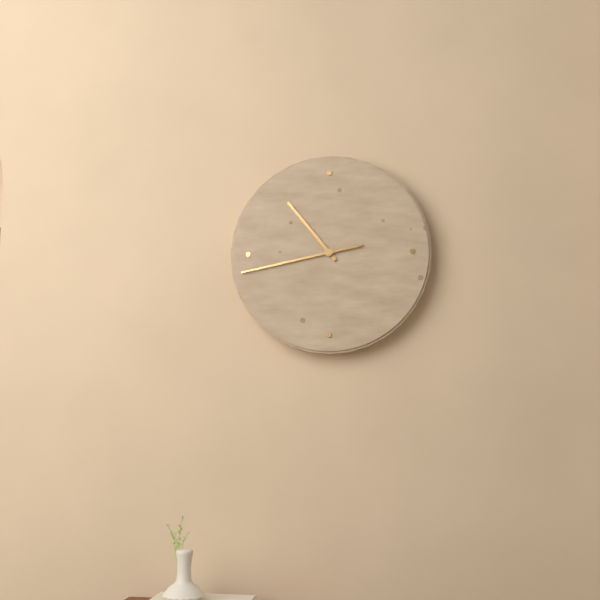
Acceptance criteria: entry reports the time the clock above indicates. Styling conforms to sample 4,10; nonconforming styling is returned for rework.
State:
10,43
